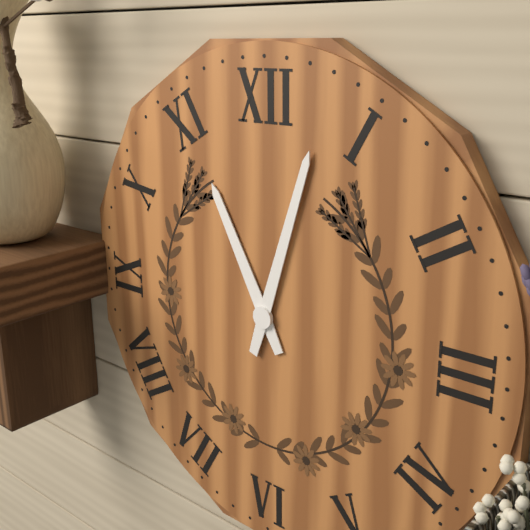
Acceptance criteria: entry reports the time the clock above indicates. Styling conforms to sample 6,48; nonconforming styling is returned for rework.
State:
11,03
